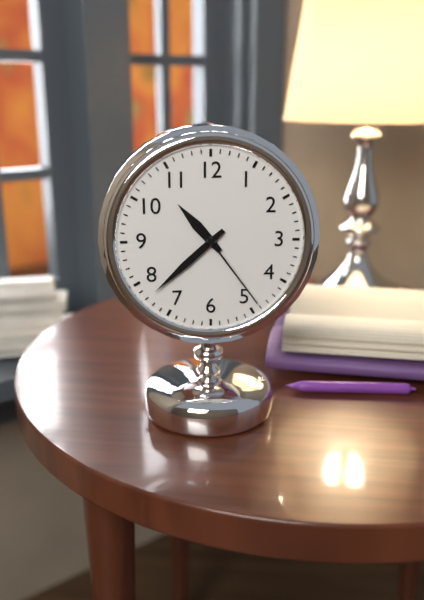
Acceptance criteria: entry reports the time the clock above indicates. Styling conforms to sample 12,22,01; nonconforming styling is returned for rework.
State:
10,38,24
